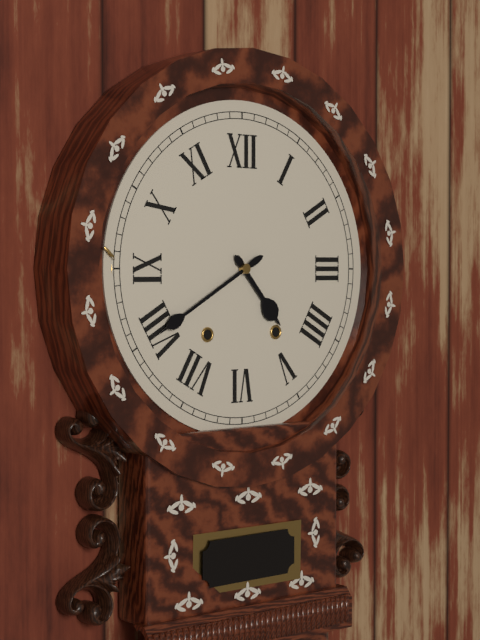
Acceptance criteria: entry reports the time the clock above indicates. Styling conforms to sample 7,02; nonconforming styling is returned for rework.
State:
4,40
